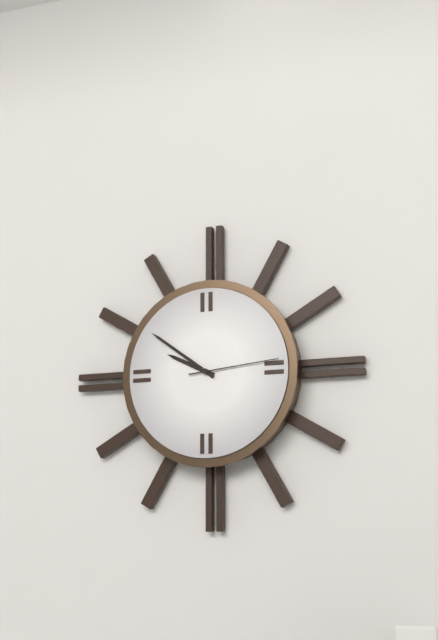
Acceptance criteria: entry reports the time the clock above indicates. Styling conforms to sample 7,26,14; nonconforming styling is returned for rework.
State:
9,51,14
